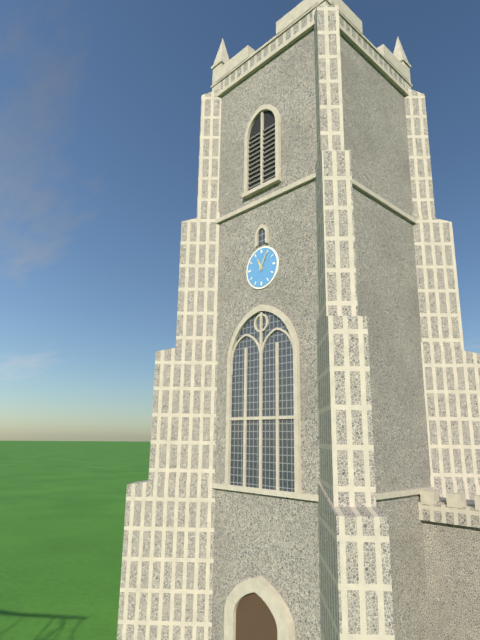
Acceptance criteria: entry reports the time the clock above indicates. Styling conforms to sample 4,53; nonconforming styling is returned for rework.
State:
11,05
